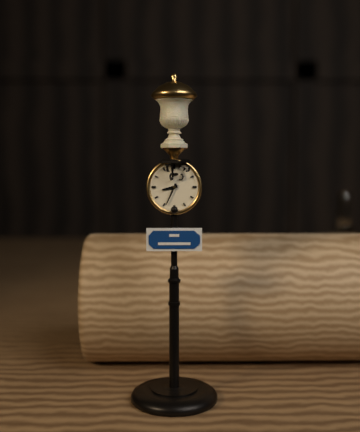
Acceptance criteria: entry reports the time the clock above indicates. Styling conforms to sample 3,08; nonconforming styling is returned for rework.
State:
8,34
